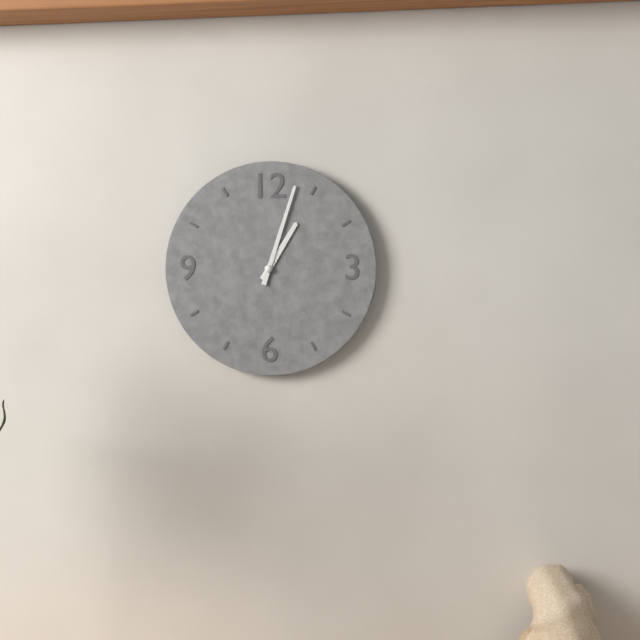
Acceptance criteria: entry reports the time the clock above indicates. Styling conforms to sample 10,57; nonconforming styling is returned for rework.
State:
1,03
